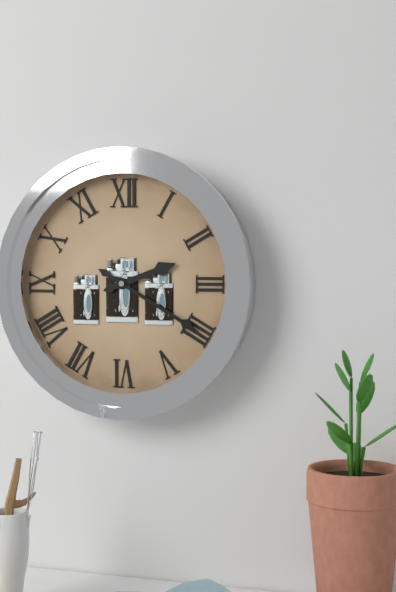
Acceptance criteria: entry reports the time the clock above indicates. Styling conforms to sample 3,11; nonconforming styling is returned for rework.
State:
2,20
